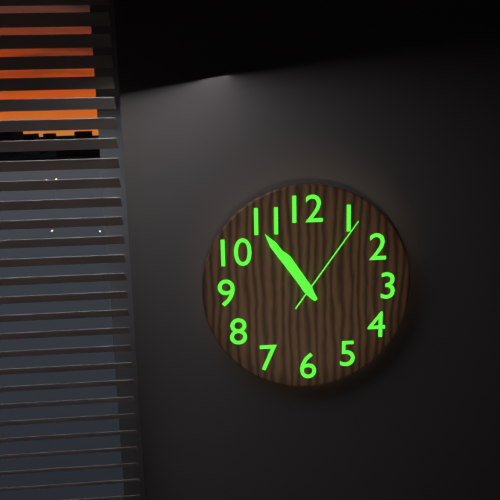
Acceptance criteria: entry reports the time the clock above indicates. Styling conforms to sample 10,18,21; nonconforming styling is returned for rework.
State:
10,54,06
